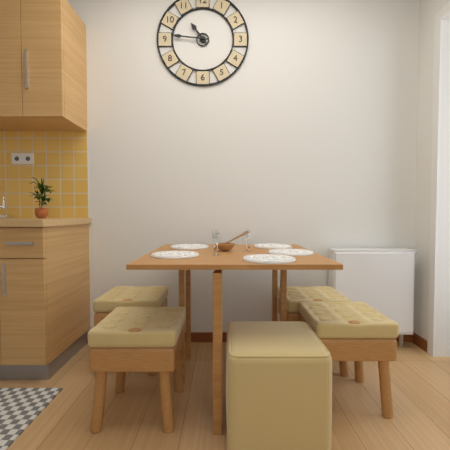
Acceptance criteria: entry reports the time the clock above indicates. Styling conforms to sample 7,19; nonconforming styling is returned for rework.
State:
10,46
